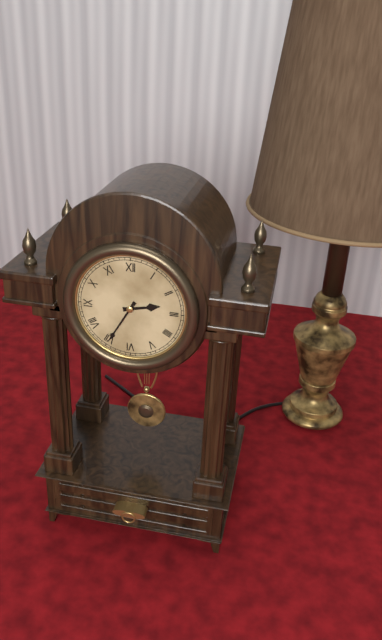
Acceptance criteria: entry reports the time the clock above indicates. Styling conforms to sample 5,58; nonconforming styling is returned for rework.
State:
2,35
